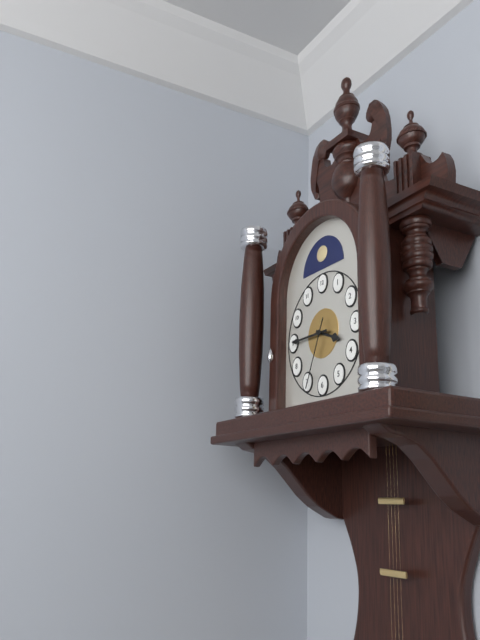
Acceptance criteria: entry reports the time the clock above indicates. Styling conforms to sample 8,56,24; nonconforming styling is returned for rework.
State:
3,45,34
